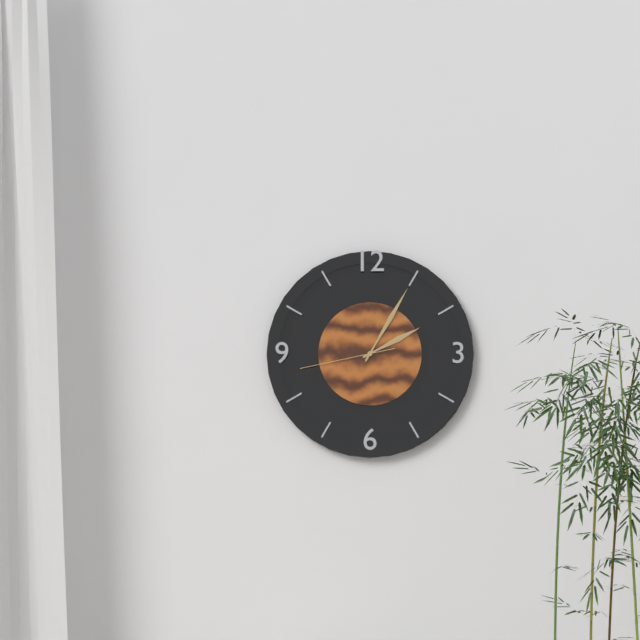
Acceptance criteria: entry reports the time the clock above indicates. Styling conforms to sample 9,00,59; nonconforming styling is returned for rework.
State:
2,05,43
